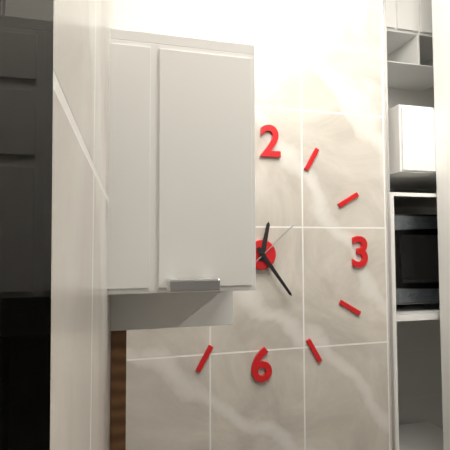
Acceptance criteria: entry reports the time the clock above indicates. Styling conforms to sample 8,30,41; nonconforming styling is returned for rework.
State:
12,24,08
